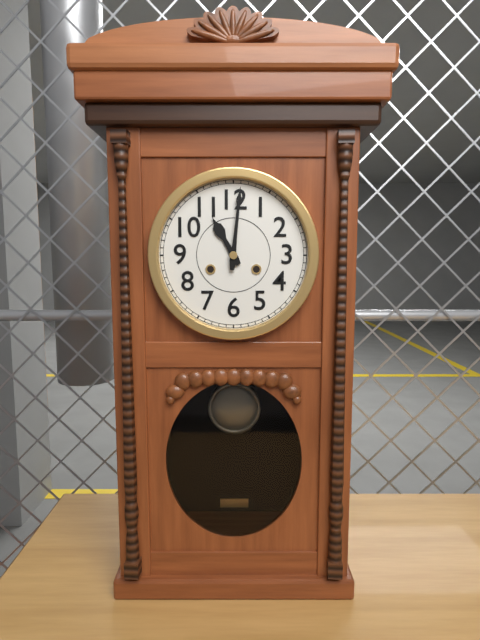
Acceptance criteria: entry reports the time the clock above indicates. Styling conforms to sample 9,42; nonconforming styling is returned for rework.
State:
11,01
